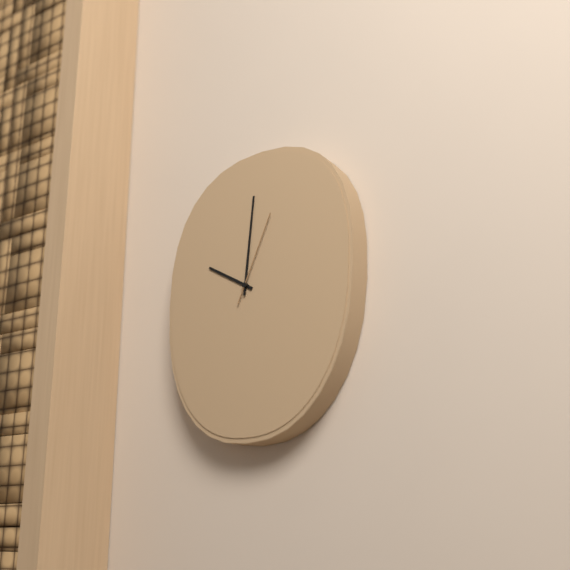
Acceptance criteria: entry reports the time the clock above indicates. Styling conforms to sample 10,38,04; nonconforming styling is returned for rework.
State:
10,01,04
